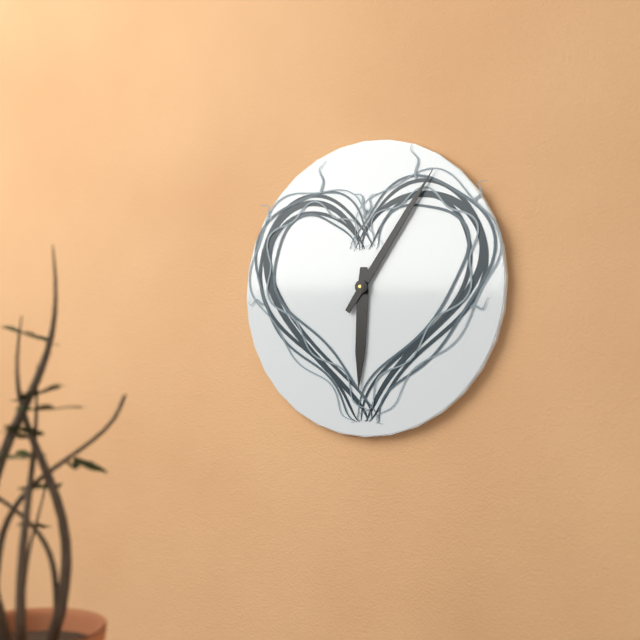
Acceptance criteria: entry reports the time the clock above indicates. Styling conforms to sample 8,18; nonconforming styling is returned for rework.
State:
6,06
